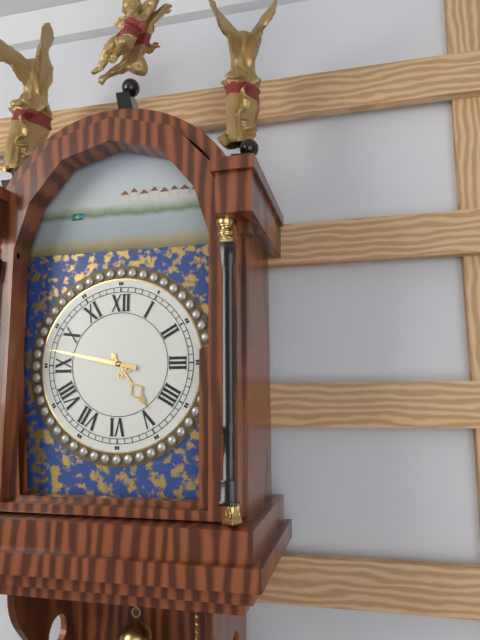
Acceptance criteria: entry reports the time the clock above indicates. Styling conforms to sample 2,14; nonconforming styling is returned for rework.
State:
4,47
